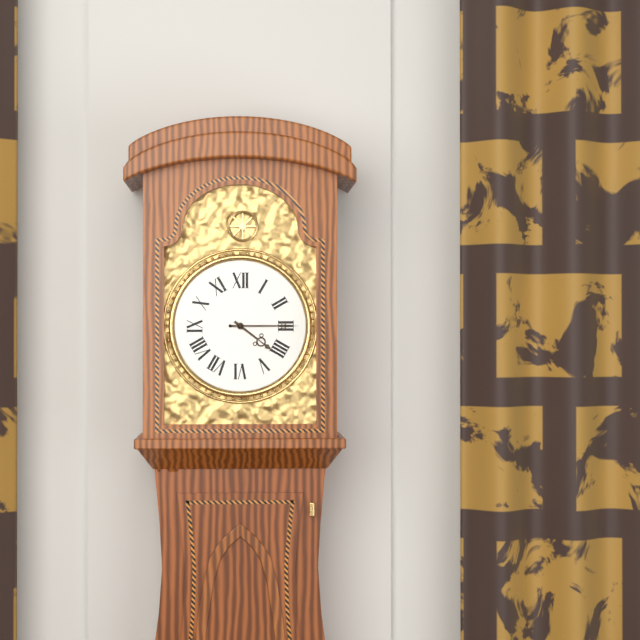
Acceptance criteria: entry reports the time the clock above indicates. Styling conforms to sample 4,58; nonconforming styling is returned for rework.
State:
4,15
